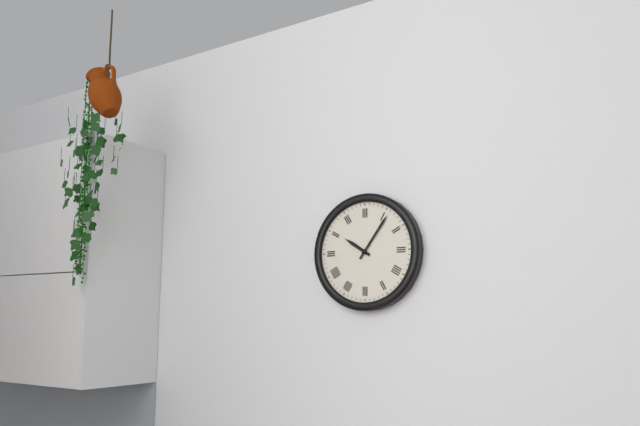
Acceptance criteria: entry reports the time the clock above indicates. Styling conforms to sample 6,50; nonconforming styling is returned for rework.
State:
10,06
